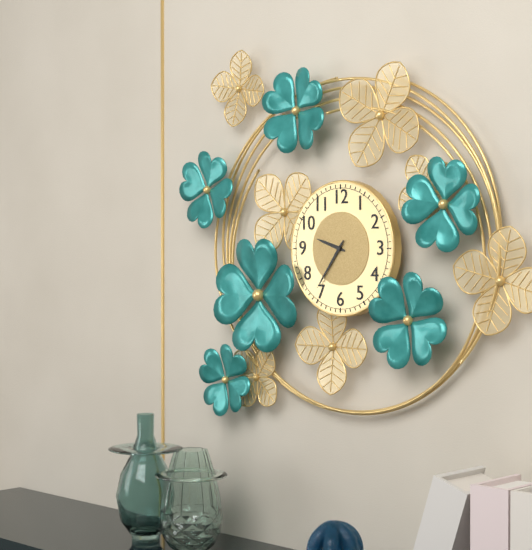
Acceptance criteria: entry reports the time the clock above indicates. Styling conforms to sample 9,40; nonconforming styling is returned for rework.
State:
9,36
